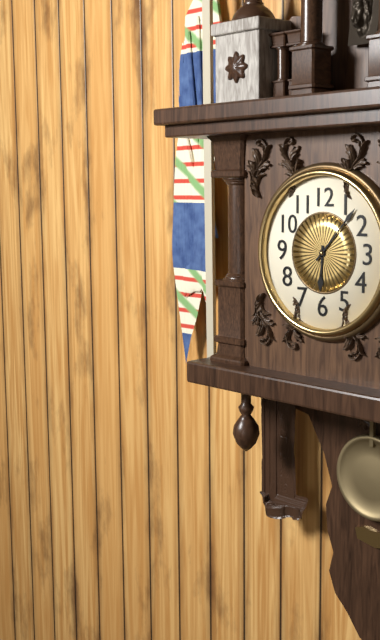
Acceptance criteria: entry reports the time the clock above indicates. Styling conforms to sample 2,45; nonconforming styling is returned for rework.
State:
6,07
